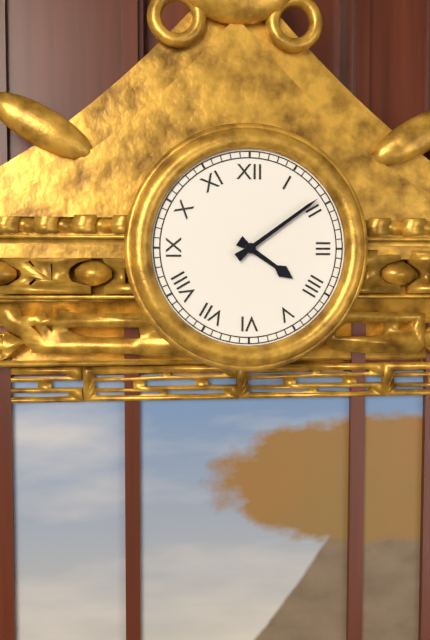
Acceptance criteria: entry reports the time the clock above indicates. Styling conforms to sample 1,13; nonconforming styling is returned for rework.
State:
4,09
